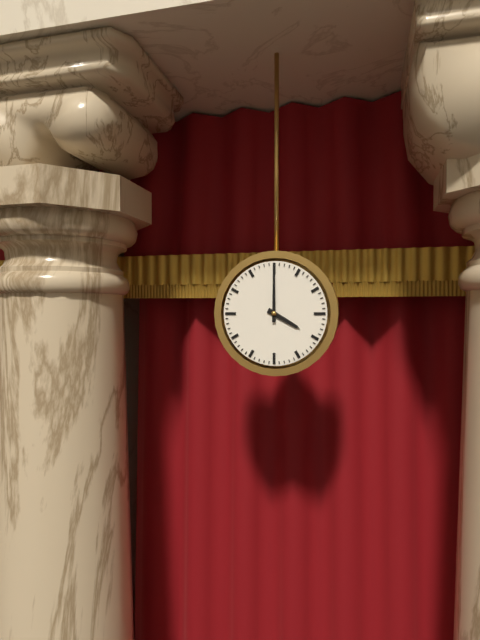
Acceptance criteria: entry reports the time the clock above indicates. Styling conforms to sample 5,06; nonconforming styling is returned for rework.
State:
4,00
